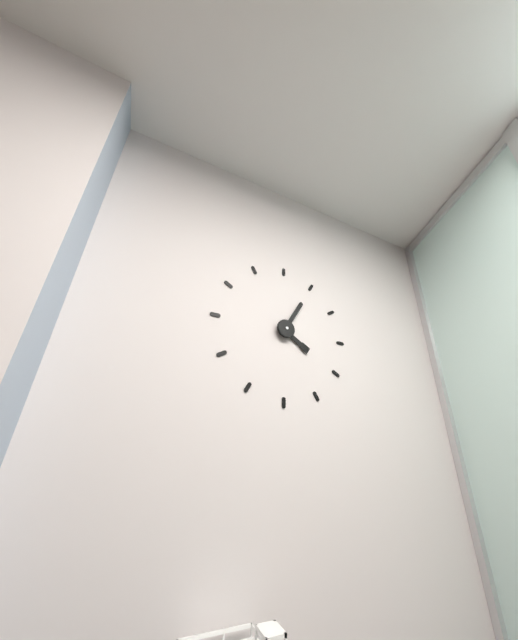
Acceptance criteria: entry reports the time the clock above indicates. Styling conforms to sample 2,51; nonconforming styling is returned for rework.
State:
4,05
